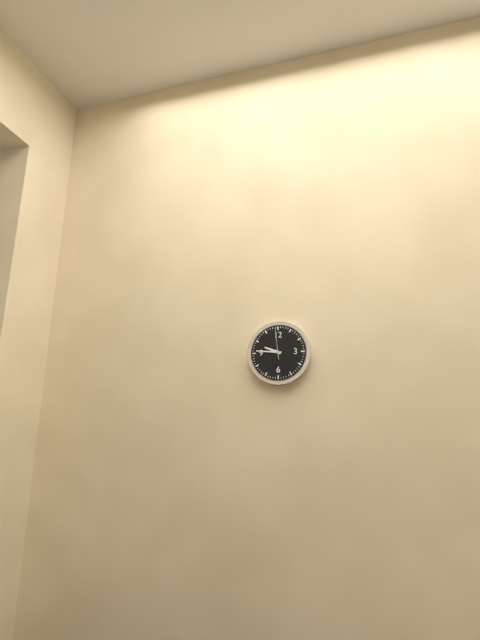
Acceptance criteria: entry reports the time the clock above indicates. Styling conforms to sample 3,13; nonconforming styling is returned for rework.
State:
9,46
